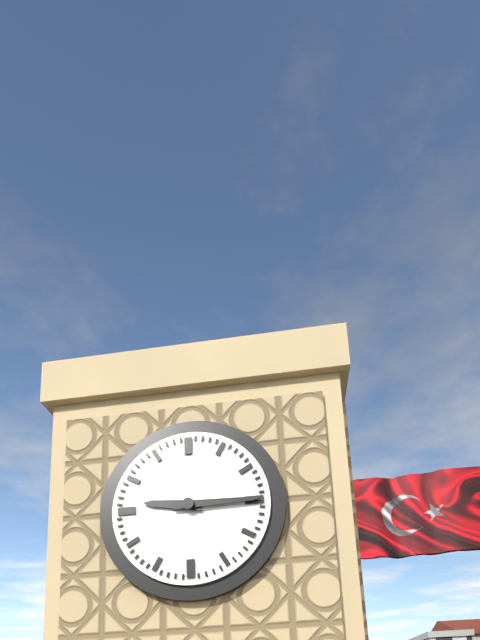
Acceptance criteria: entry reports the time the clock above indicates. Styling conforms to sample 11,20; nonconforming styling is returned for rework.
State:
9,15
